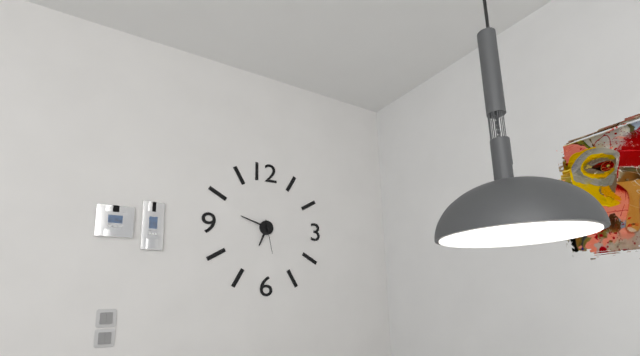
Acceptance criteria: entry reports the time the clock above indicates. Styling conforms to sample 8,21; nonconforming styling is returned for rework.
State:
6,48
